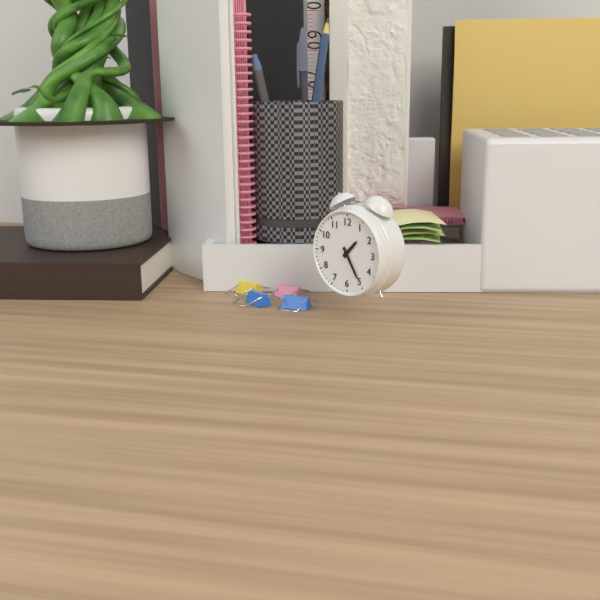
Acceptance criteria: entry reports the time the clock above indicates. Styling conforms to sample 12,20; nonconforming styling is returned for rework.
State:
1,25
